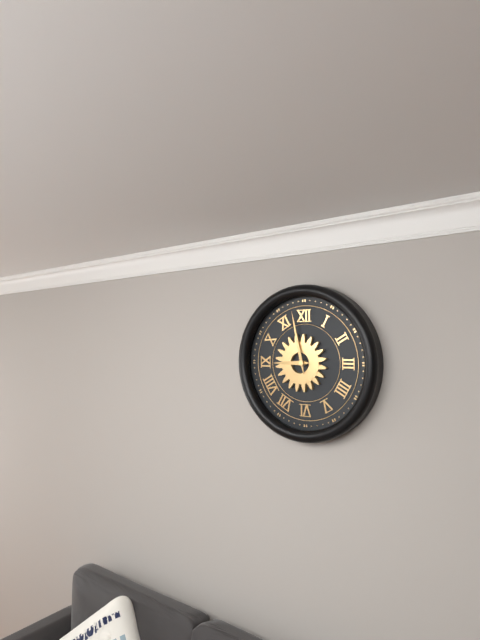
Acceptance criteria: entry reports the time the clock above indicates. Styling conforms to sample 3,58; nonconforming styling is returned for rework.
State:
8,58
